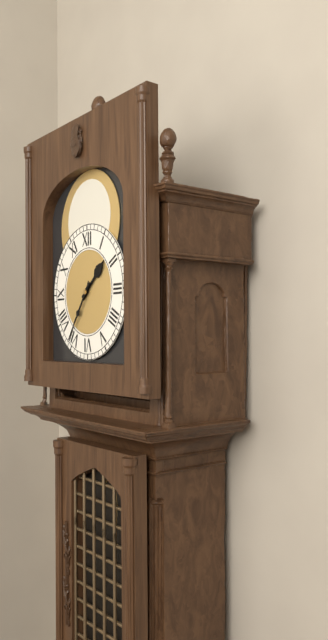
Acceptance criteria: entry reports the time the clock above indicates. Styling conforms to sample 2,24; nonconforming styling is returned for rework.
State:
1,36
